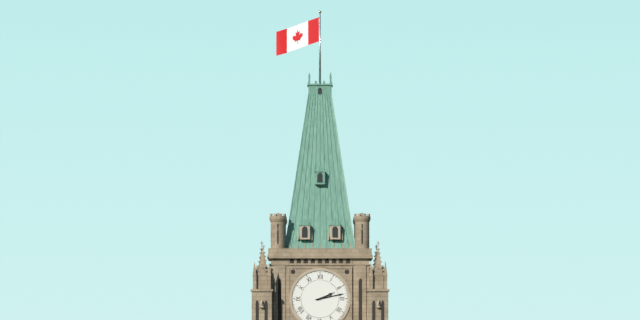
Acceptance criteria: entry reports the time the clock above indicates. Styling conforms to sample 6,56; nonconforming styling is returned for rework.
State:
2,13
